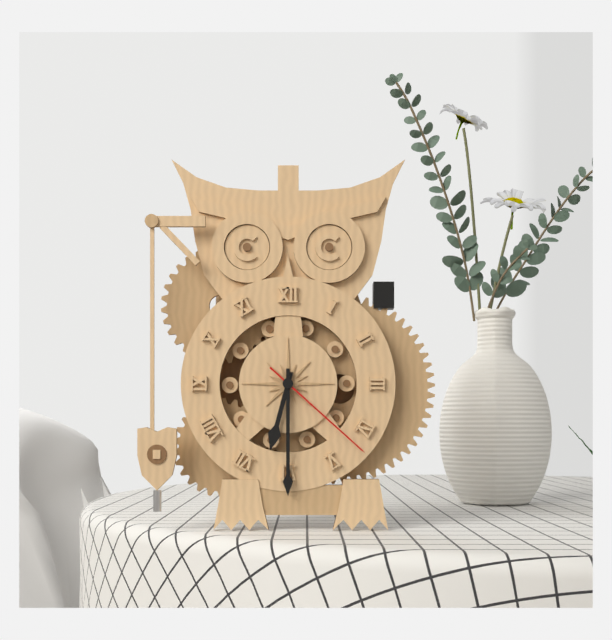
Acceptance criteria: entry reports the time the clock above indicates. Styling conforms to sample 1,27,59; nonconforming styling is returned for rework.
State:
6,30,22
